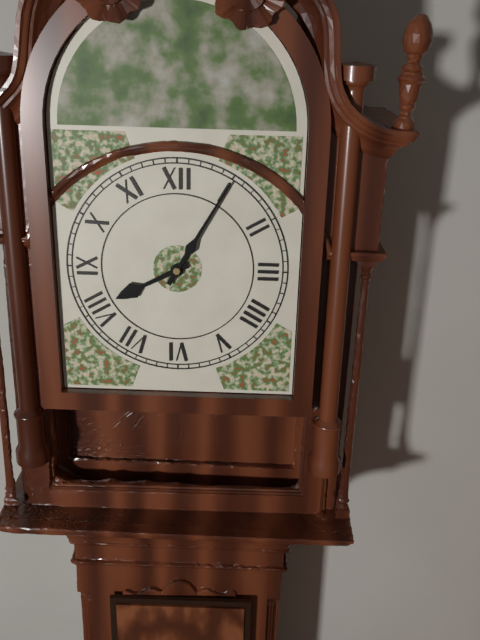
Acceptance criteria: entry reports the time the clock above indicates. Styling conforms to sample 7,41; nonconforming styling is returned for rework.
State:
8,05
